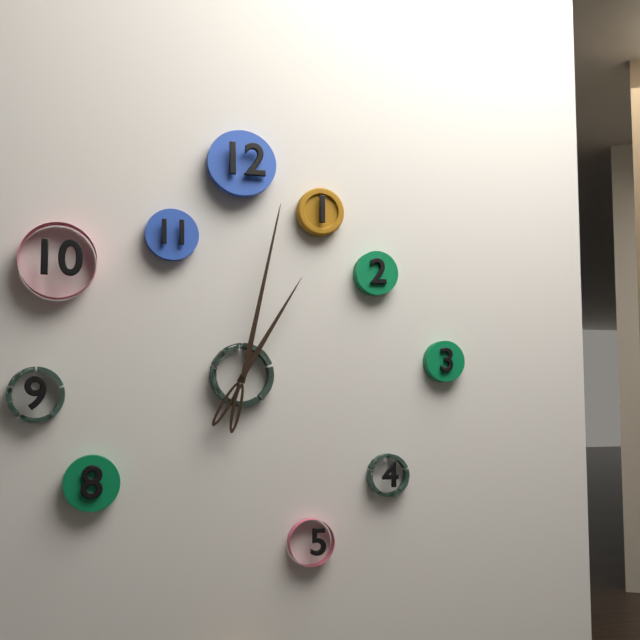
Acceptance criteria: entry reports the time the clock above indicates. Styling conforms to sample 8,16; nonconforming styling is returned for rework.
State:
1,02
